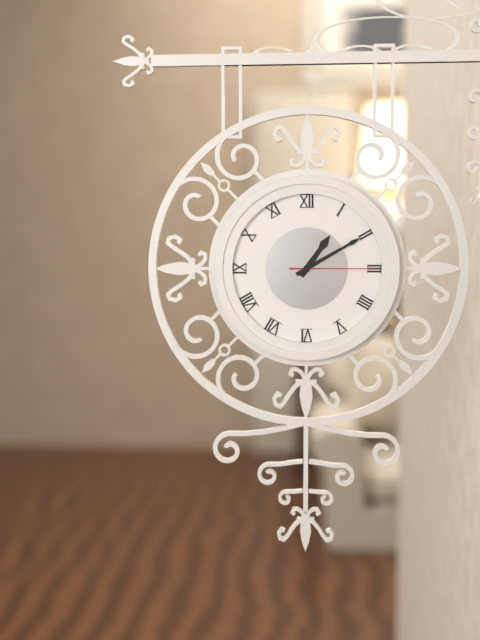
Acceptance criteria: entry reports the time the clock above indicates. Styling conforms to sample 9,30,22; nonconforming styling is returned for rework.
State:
1,10,15
